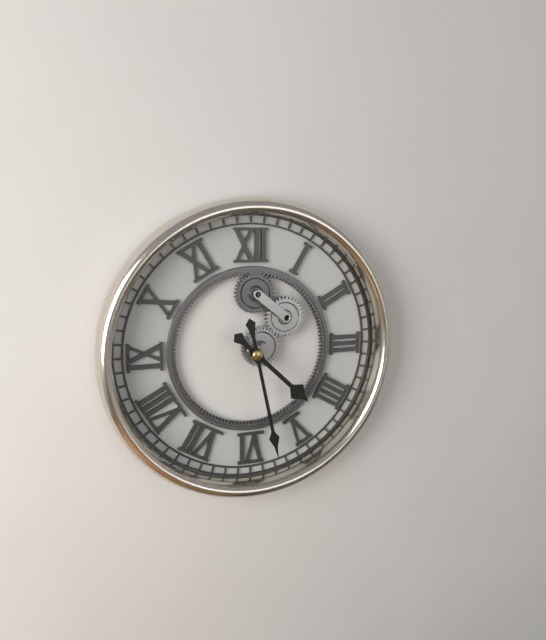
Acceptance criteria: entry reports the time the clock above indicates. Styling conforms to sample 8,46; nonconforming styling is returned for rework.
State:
4,28
